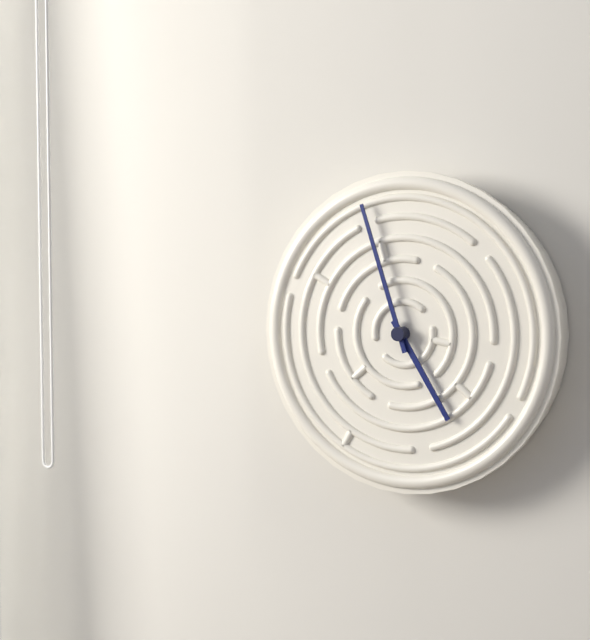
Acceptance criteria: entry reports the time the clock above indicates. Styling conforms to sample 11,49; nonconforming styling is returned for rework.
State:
4,57
